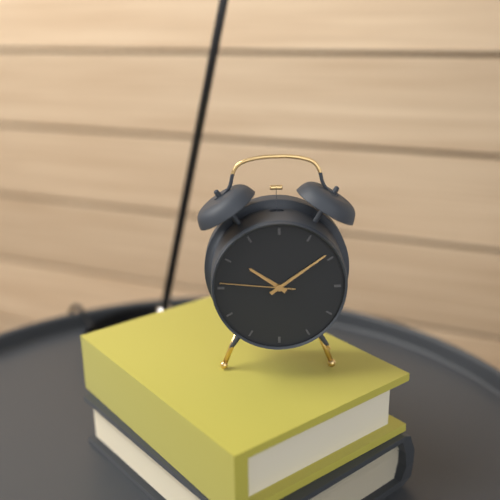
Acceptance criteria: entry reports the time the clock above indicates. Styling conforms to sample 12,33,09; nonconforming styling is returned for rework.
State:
10,09,46
